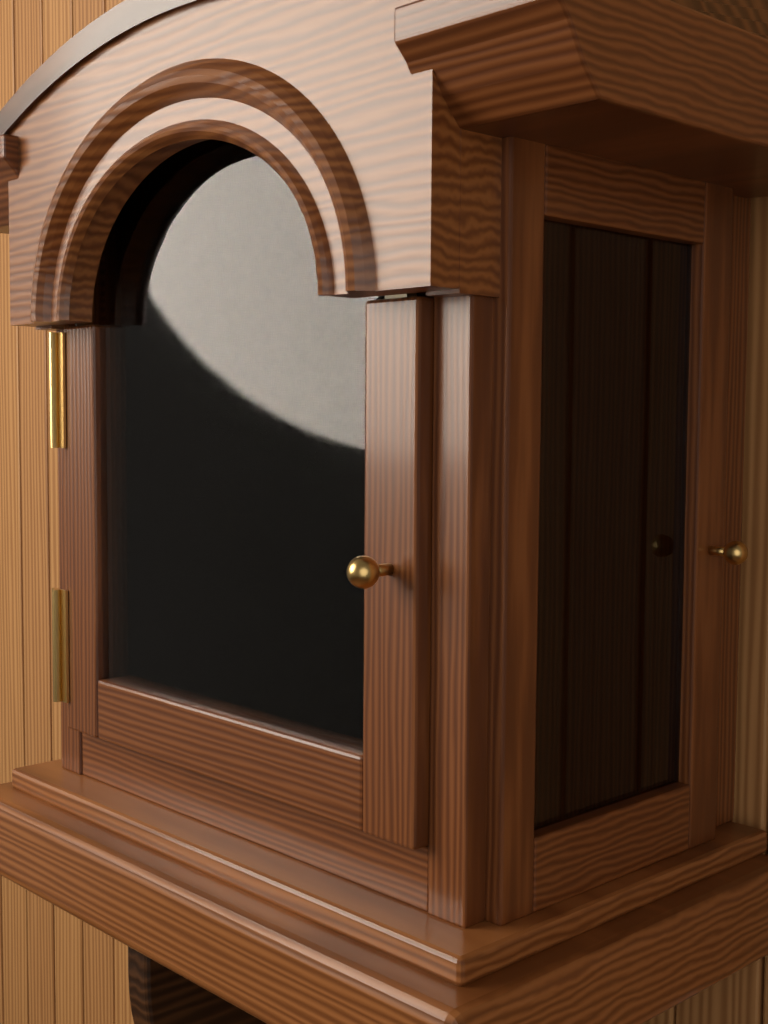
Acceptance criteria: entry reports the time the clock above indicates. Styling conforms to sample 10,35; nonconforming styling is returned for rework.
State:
10,45
